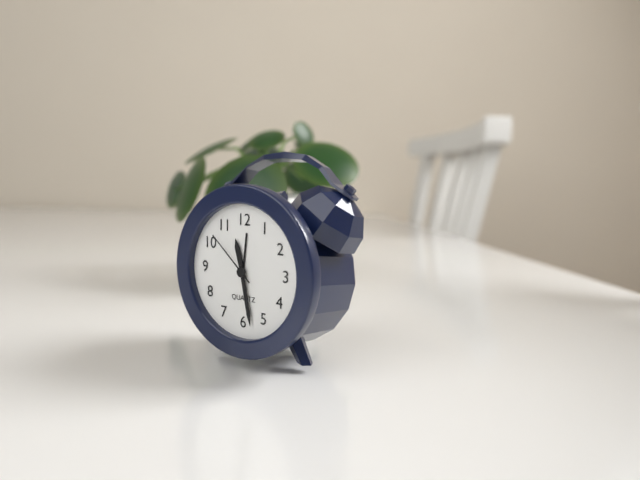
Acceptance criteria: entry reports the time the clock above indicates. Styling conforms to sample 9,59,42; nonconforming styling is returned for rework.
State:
11,28,52
